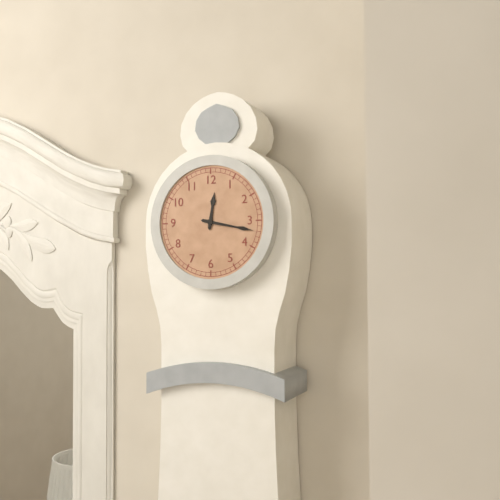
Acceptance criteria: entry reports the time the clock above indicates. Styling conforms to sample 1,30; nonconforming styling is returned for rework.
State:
12,17
